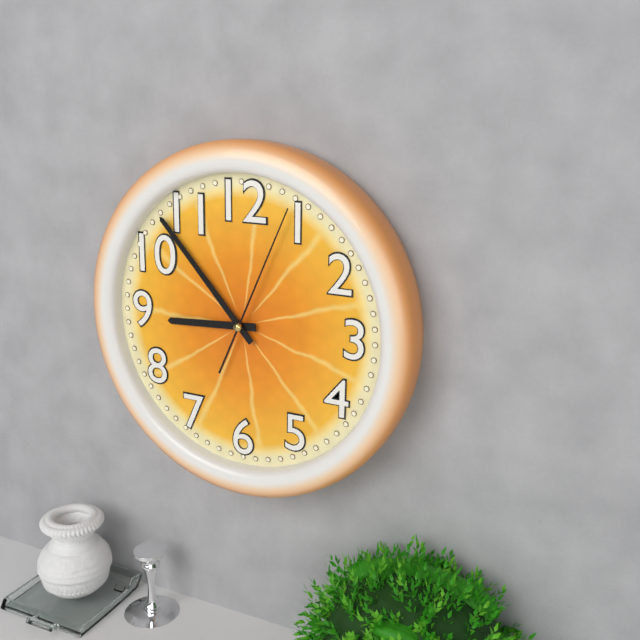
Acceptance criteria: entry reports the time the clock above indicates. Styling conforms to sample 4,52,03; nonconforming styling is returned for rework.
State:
8,53,04
